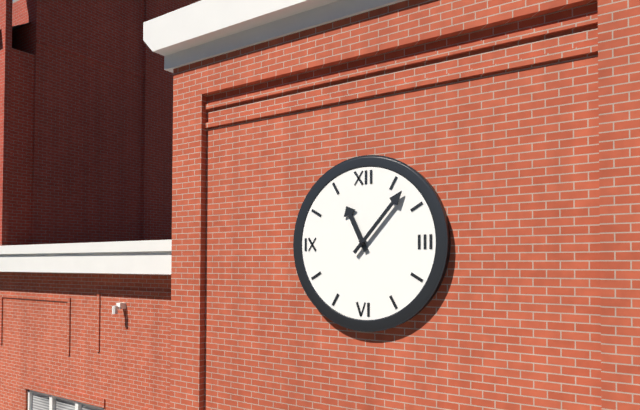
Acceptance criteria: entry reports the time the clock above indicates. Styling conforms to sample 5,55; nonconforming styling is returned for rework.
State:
11,07
